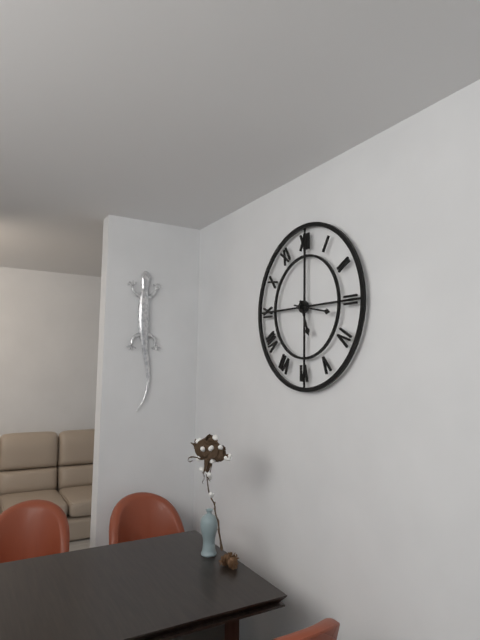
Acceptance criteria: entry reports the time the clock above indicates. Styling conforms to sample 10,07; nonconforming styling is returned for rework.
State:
5,17
